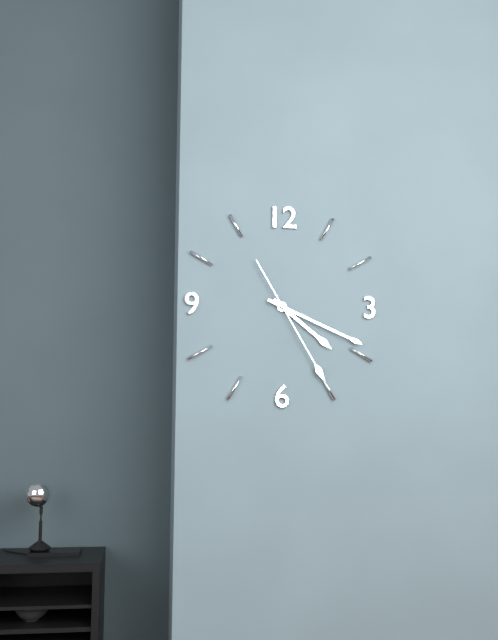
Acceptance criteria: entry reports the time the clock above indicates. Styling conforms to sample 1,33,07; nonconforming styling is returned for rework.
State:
4,19,25
